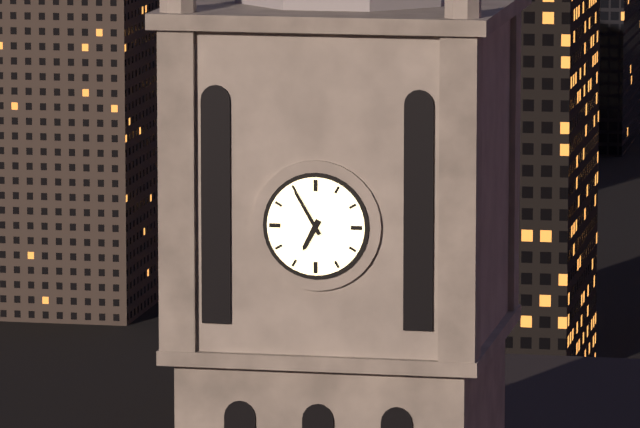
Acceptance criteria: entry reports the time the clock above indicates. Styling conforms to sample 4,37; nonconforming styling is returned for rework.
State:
6,55
